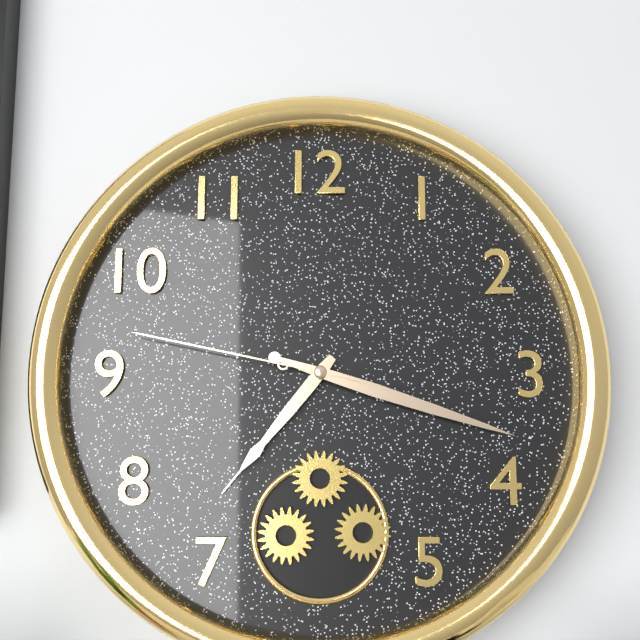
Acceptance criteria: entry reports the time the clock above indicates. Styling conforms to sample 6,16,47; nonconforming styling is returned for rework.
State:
7,18,47
